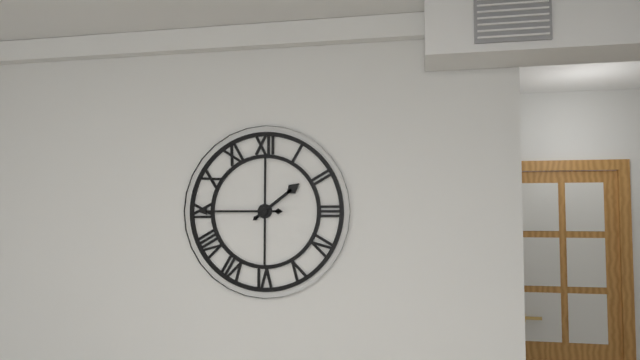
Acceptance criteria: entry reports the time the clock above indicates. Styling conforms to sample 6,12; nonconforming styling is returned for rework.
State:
1,45
